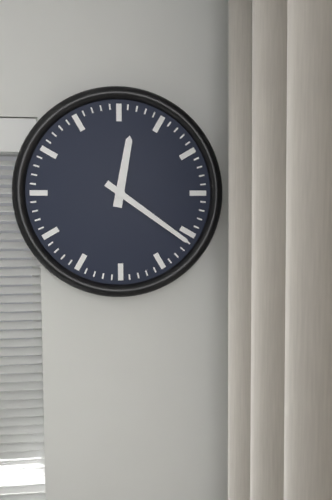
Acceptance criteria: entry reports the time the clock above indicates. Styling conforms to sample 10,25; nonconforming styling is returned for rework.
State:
12,21
